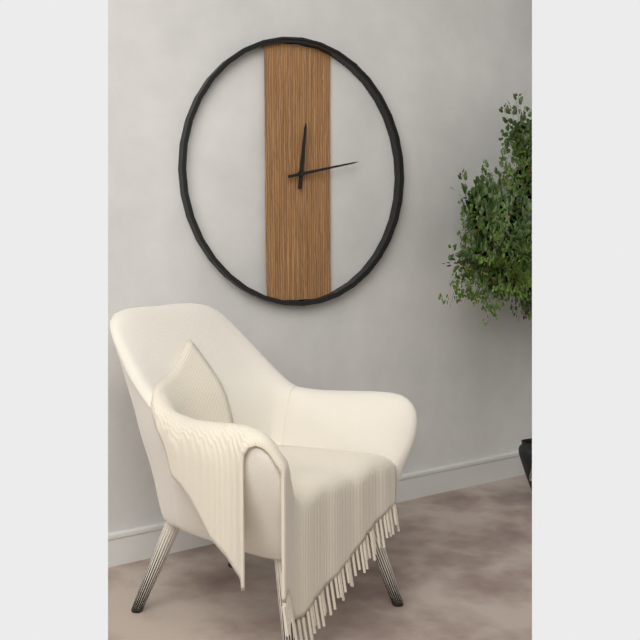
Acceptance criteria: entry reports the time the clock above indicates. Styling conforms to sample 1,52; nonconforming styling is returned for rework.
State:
12,13
